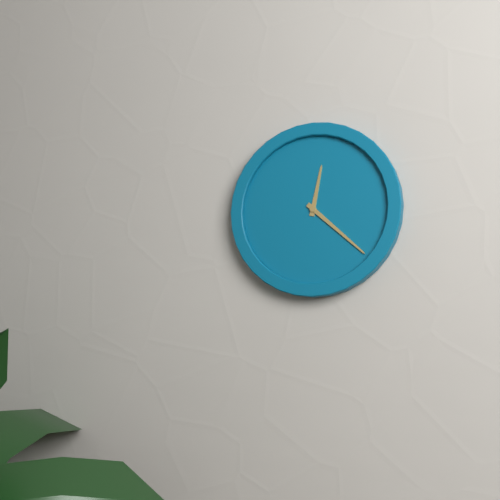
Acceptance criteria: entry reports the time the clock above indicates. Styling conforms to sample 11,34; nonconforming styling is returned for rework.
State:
12,22
